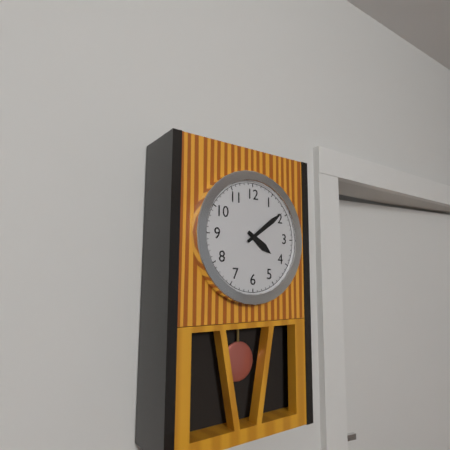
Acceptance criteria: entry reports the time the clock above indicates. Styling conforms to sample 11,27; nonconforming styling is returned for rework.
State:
4,09
